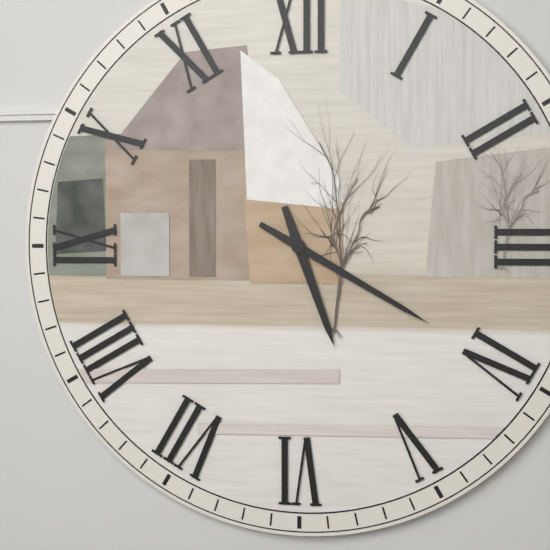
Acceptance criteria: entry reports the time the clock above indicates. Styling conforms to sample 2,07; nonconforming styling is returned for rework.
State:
5,20
